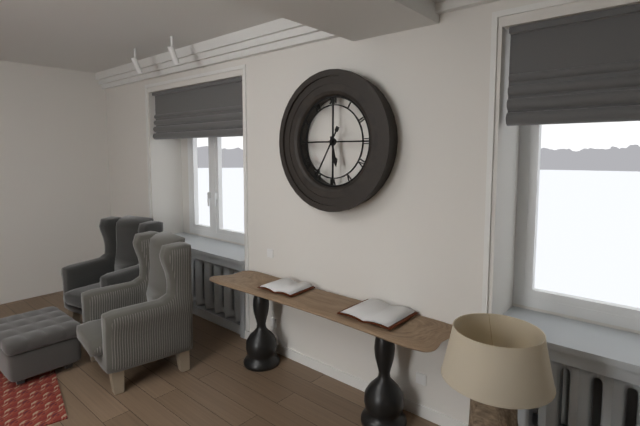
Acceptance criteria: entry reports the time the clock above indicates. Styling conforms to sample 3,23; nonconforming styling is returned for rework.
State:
5,35
